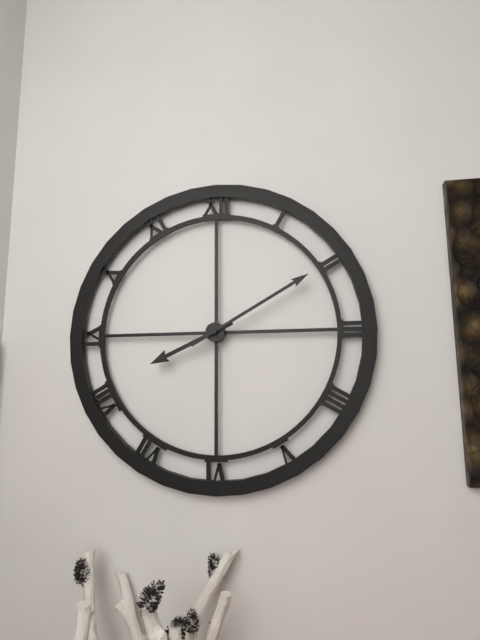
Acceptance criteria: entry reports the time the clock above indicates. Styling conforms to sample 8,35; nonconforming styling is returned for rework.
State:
8,10
